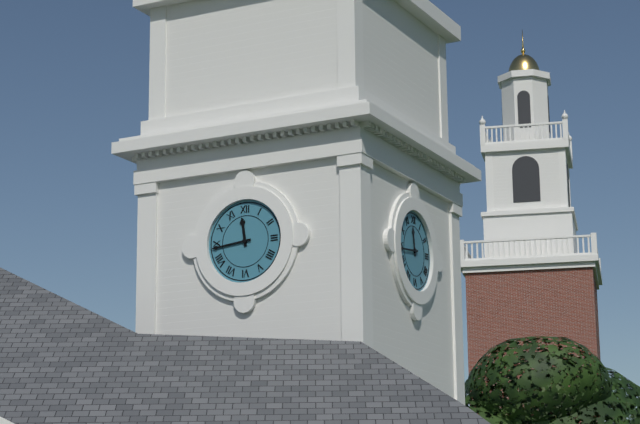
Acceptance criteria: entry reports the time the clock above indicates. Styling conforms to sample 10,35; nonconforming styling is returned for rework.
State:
11,44
